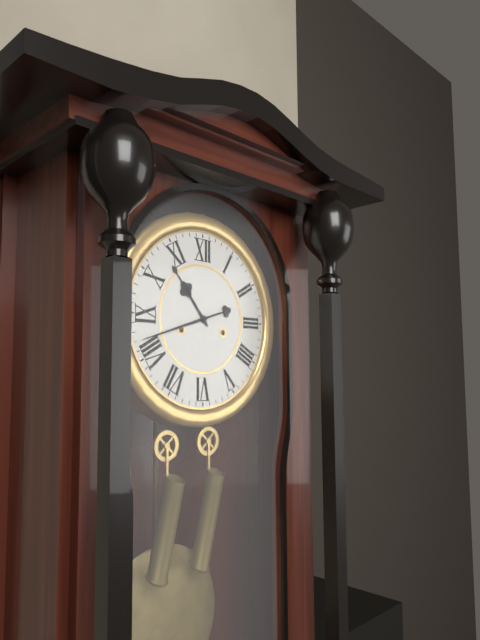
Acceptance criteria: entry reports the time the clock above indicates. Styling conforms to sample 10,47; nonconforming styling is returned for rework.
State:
10,42
